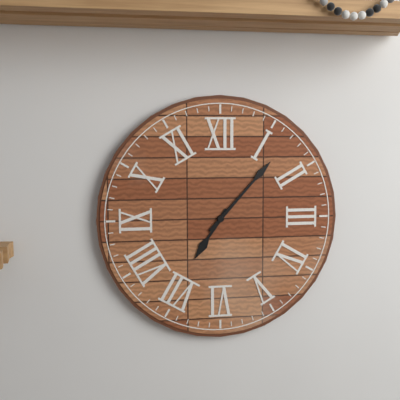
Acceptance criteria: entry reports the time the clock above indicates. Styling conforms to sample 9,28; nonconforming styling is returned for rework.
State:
7,07
